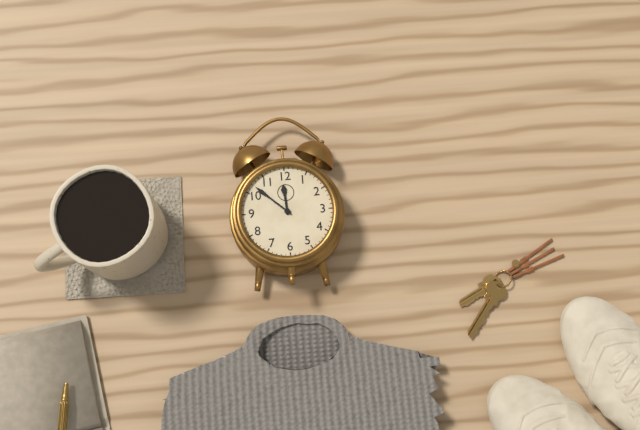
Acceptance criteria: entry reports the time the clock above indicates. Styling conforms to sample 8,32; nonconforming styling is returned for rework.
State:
11,52
